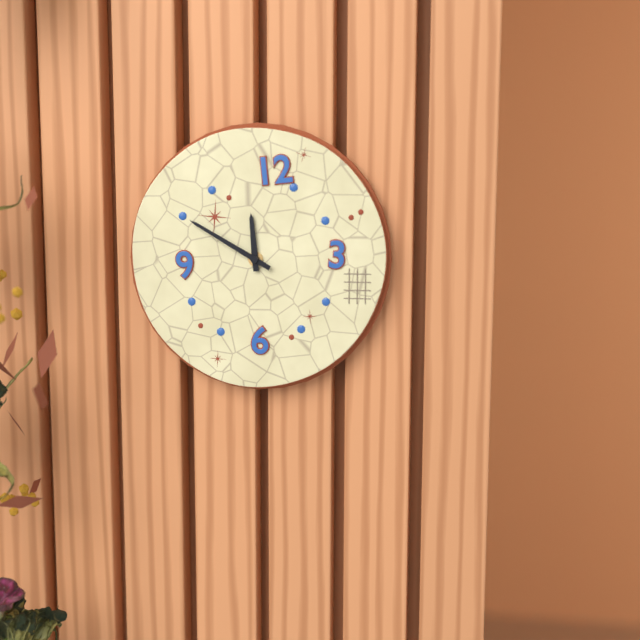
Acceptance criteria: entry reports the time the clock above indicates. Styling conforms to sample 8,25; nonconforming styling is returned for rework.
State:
11,50
